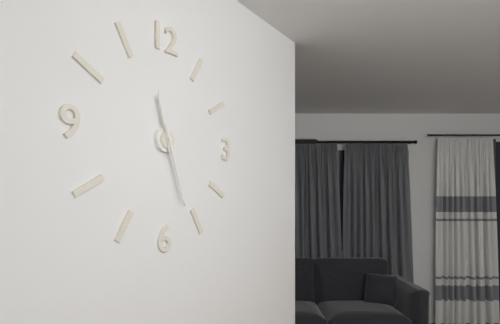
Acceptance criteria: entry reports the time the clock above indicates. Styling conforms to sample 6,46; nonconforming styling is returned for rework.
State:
11,27
